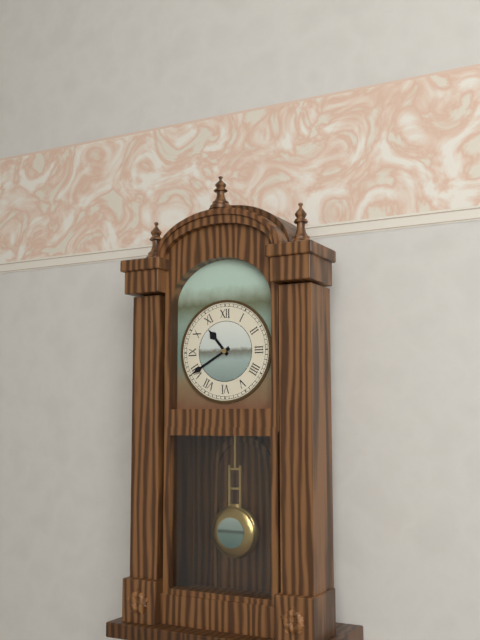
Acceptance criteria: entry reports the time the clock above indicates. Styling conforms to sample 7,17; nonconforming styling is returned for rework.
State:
10,40
